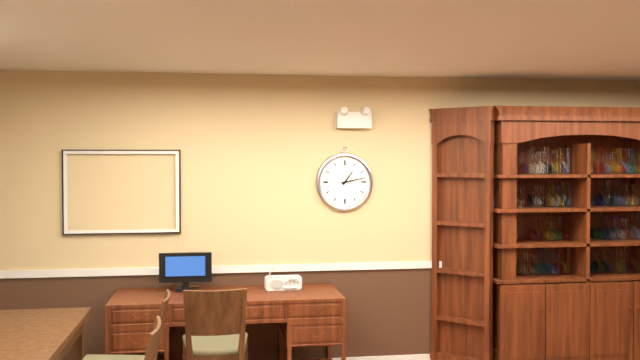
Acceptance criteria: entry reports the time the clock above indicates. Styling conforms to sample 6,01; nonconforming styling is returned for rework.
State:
1,13
